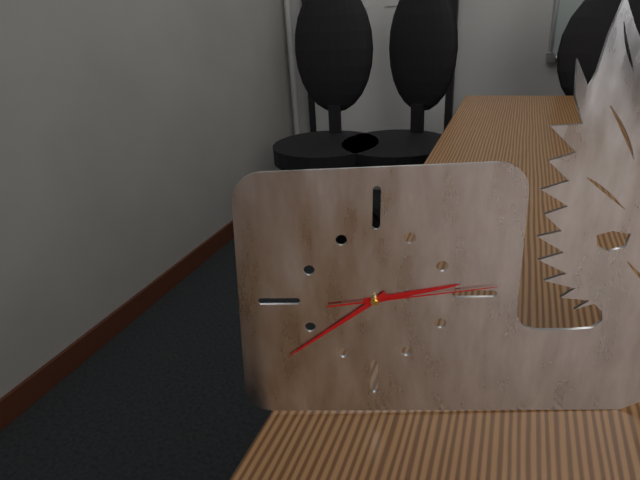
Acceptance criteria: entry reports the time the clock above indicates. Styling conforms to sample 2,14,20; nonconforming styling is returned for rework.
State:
2,39,14
